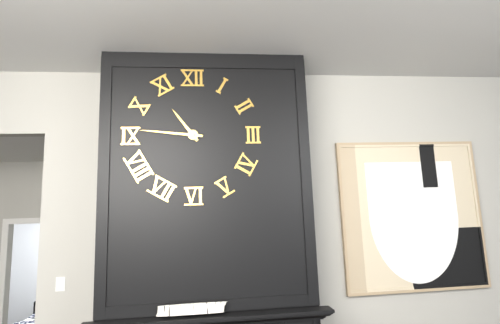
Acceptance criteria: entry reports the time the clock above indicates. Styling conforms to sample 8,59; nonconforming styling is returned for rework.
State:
10,46
